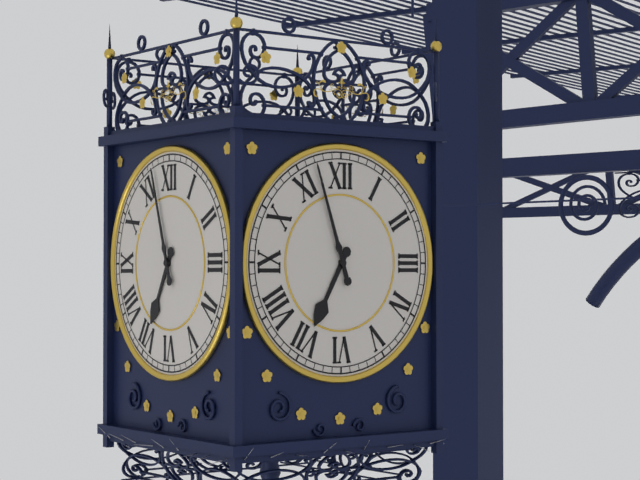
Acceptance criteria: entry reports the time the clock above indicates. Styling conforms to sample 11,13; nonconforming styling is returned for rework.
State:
6,57
